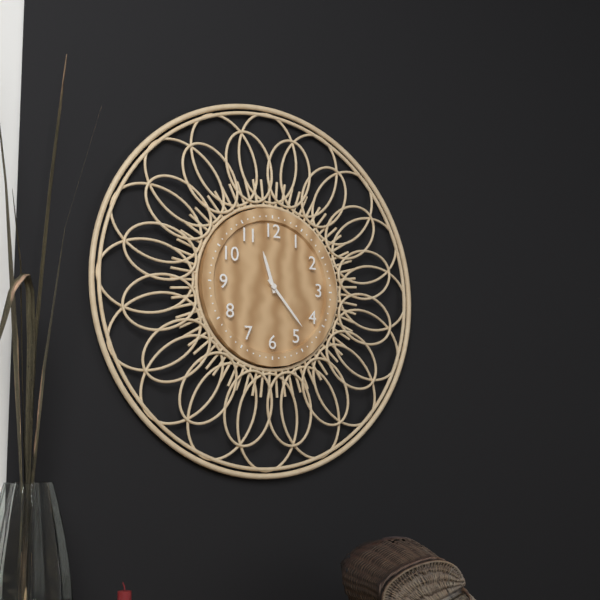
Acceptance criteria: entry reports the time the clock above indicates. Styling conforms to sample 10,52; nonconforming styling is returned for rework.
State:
11,23
